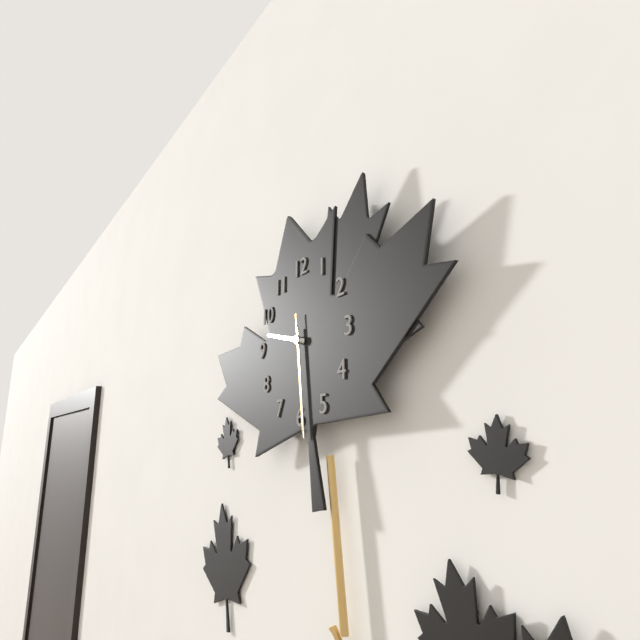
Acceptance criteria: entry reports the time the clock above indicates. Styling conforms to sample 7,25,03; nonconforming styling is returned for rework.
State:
9,29,29
